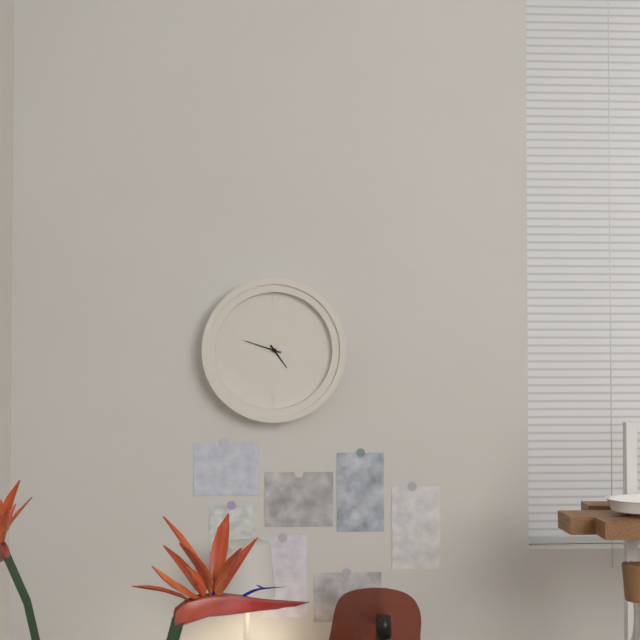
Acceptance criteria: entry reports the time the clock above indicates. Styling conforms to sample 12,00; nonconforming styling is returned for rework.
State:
4,48
